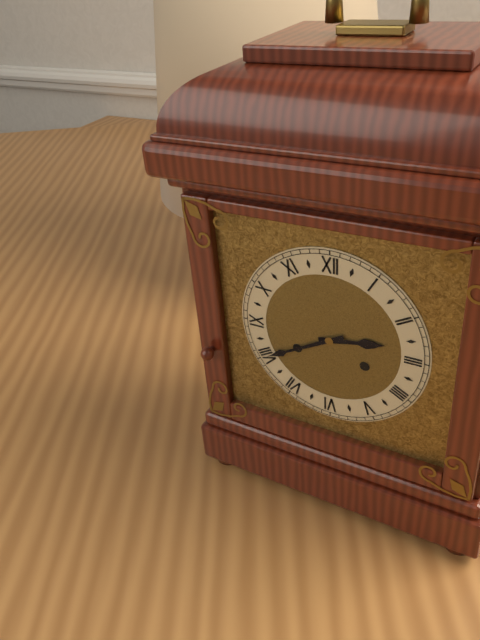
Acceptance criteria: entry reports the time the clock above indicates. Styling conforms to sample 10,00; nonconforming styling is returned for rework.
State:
2,40
